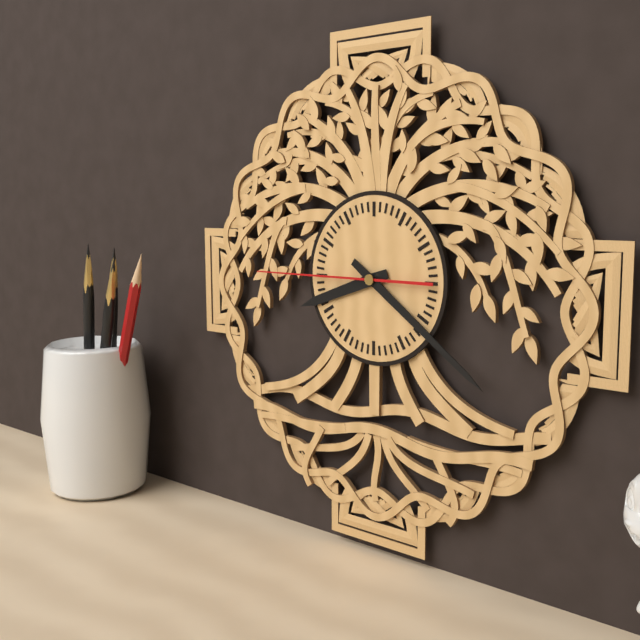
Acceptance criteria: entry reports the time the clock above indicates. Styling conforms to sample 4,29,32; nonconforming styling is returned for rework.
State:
8,21,45
